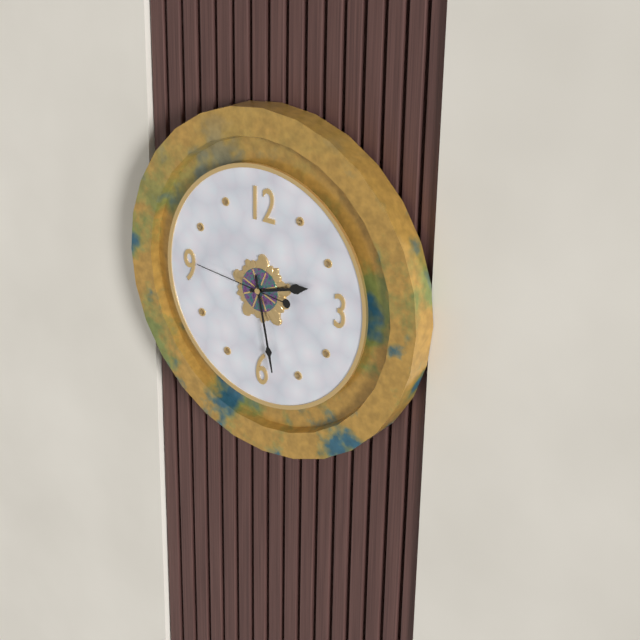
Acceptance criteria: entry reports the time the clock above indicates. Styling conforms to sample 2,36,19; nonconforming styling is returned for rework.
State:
2,28,46
